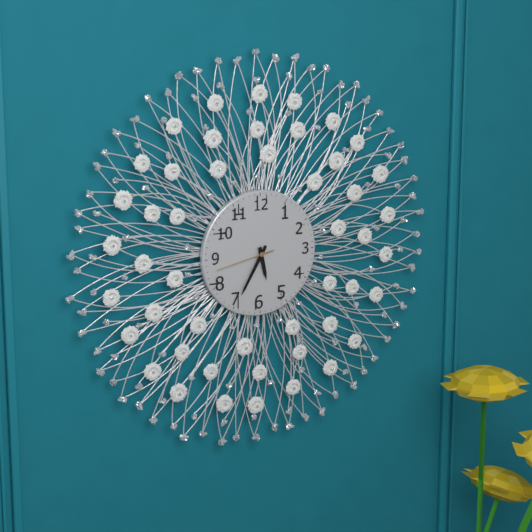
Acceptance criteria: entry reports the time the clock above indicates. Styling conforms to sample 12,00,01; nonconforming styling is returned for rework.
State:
5,35,43
